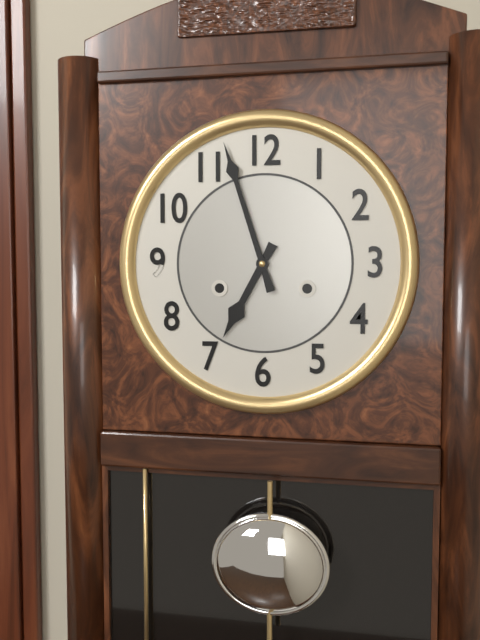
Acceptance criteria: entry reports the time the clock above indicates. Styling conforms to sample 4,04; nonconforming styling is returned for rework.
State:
6,57
